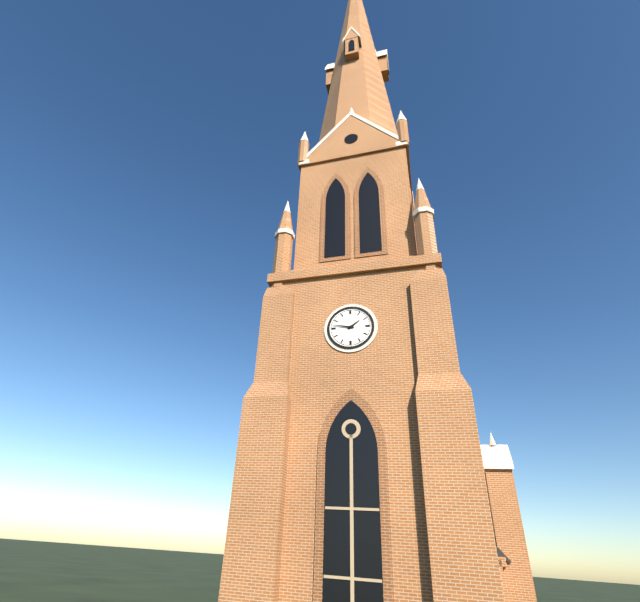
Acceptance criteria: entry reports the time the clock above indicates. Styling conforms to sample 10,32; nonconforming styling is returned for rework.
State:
1,47
